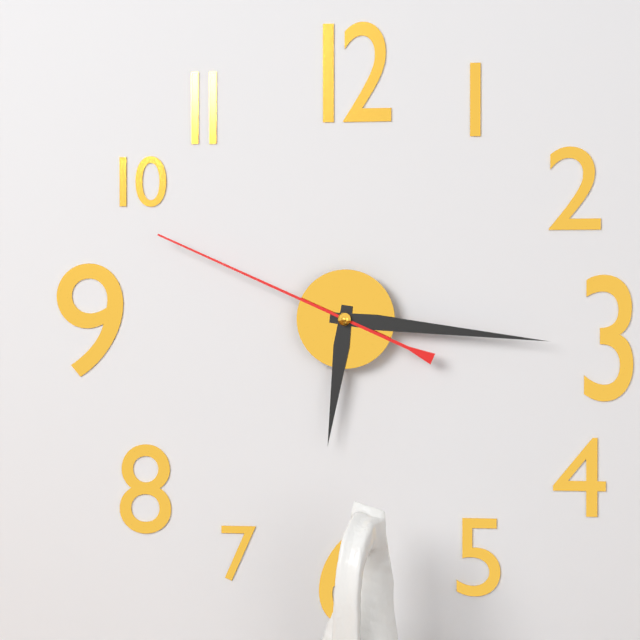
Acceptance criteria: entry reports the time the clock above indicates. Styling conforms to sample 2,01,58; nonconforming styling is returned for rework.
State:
6,16,49
